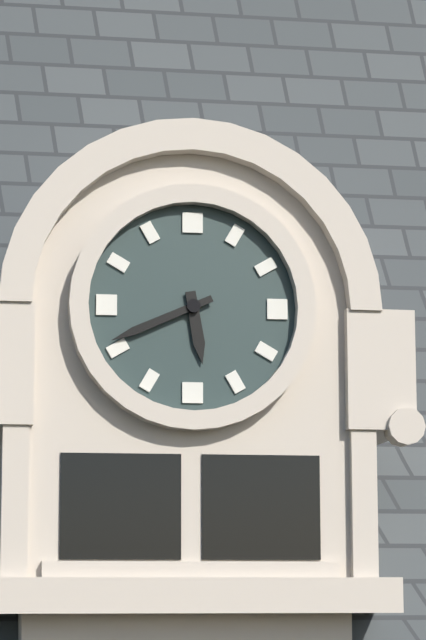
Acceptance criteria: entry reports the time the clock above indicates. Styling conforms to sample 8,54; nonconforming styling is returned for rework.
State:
5,41
